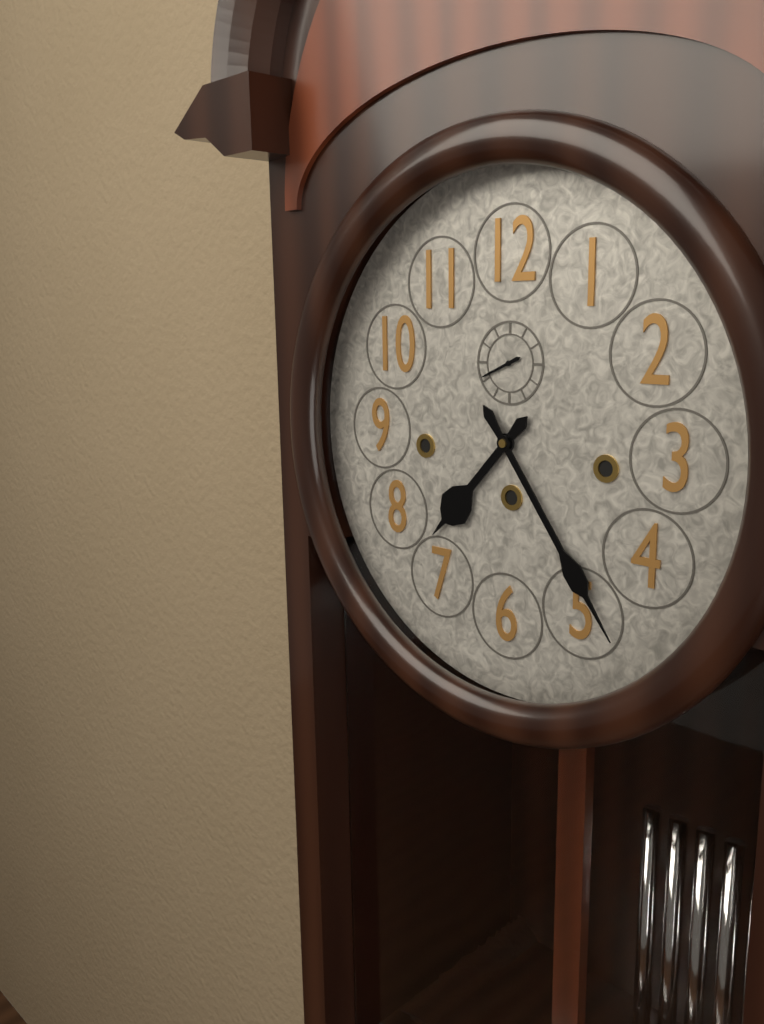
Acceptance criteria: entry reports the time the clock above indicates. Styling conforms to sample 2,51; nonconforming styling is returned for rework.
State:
7,24
